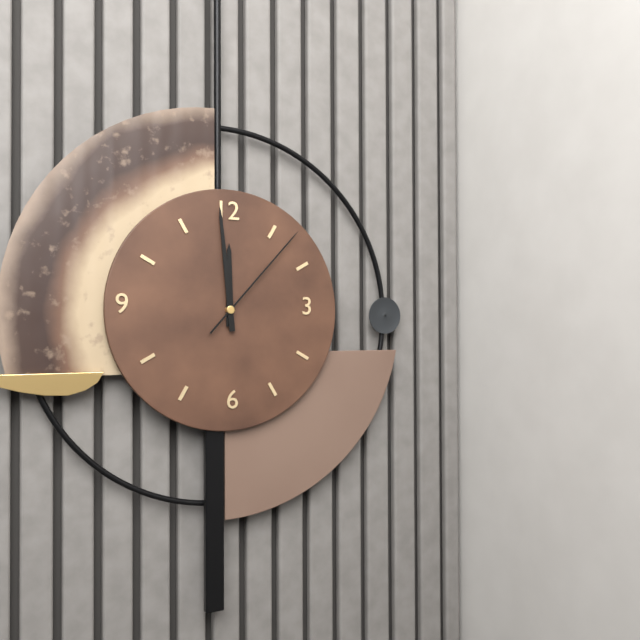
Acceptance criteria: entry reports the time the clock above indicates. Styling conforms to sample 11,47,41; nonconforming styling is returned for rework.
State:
11,59,07
